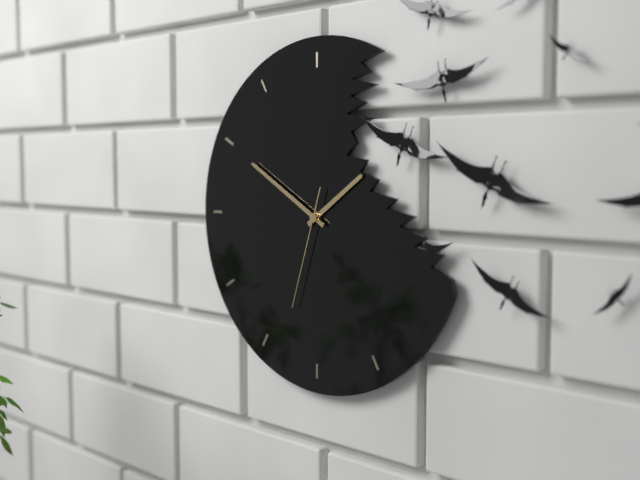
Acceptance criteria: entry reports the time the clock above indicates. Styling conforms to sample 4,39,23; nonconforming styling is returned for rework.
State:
1,50,33
